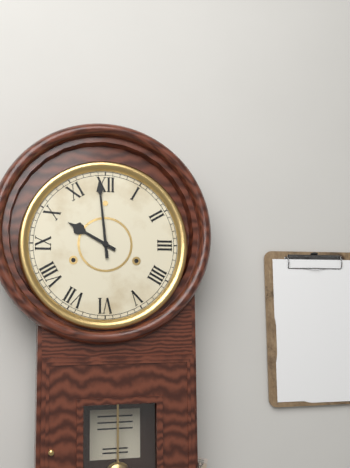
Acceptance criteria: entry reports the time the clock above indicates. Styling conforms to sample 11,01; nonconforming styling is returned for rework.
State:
9,59
